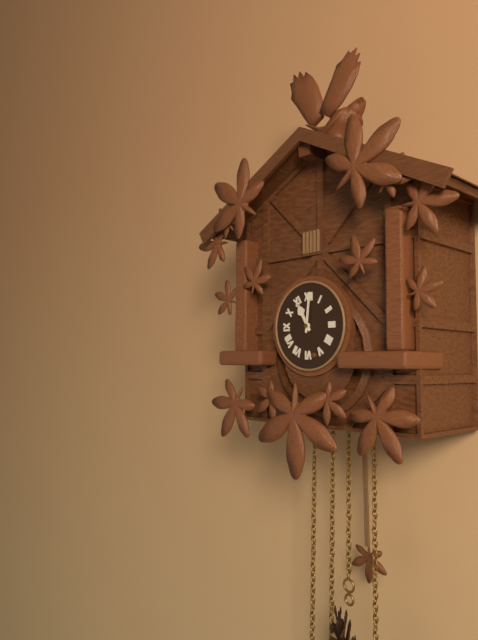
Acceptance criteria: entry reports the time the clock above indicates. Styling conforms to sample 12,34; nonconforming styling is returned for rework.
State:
11,01
